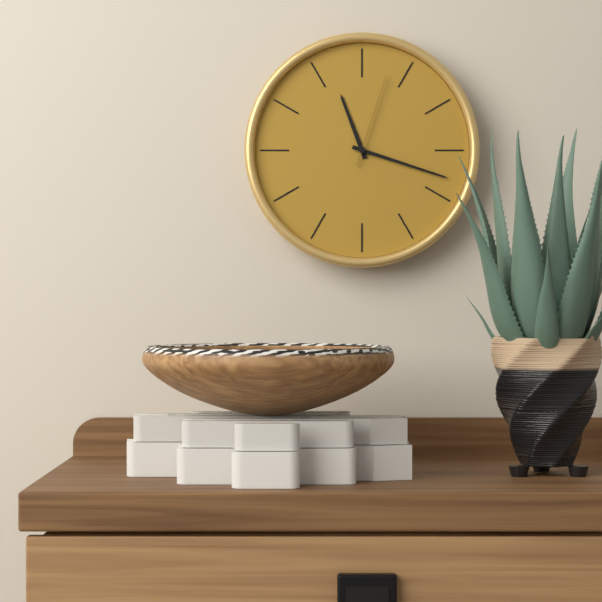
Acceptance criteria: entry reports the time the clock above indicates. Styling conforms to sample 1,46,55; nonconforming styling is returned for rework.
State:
11,18,03
